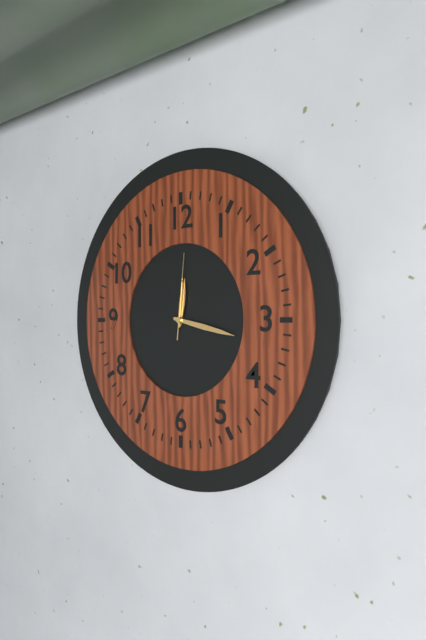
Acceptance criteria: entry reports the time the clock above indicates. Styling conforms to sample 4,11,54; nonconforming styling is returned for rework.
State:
12,17,01
